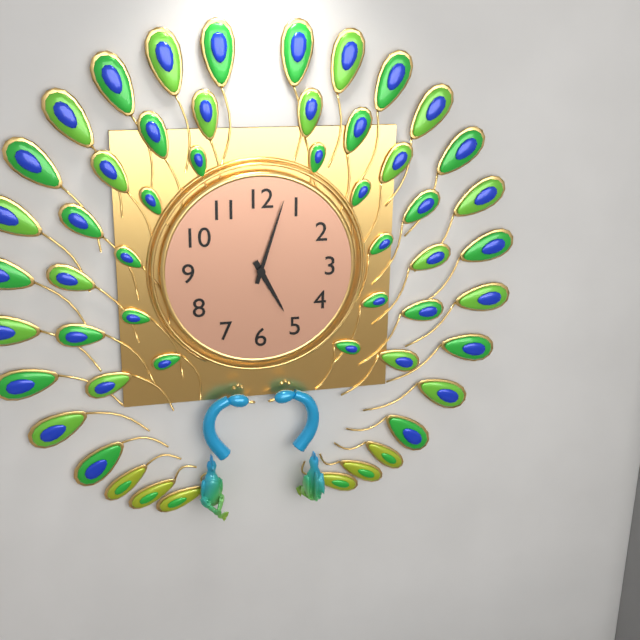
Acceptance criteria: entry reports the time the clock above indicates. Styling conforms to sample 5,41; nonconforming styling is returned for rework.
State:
5,03
